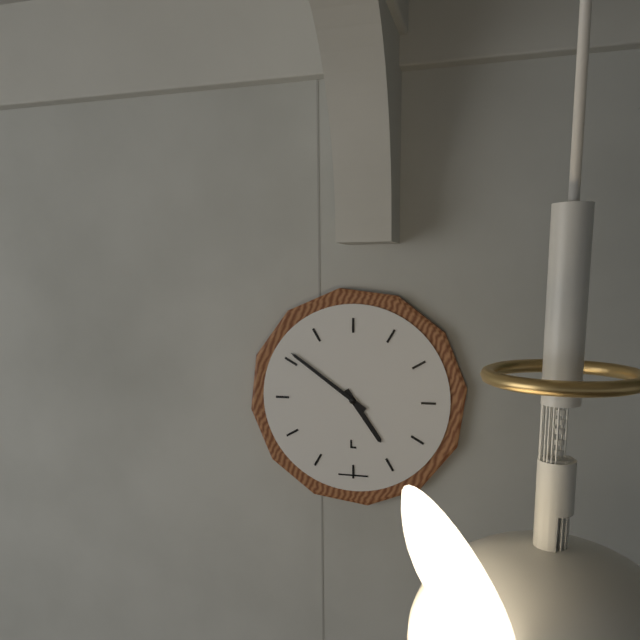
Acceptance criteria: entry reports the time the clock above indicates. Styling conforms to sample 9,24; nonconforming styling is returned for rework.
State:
4,51
